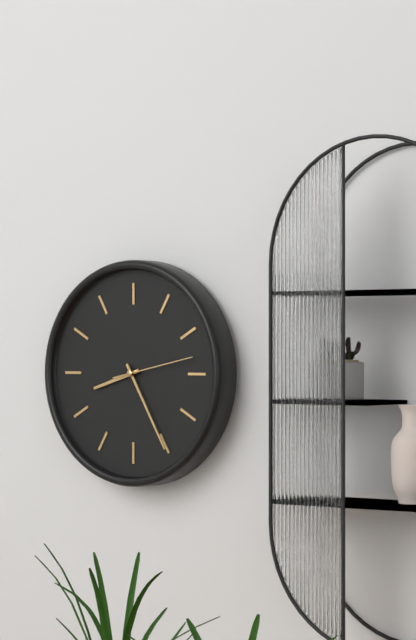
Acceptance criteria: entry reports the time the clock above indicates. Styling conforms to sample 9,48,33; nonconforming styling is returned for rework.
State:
8,25,13
